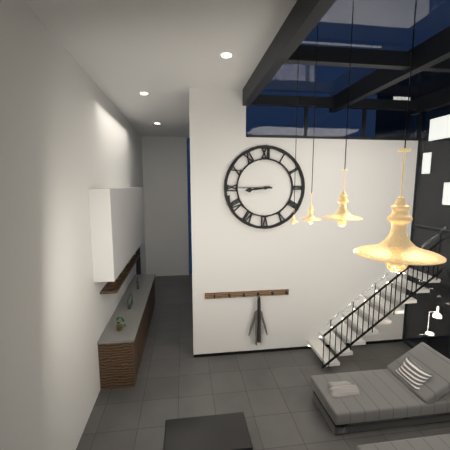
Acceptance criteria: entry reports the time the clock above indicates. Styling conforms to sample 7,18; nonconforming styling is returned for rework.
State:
8,45
